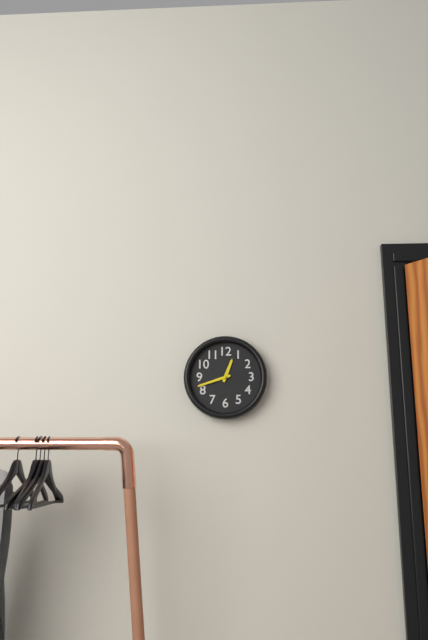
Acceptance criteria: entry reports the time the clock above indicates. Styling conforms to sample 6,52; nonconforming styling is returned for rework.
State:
12,42
